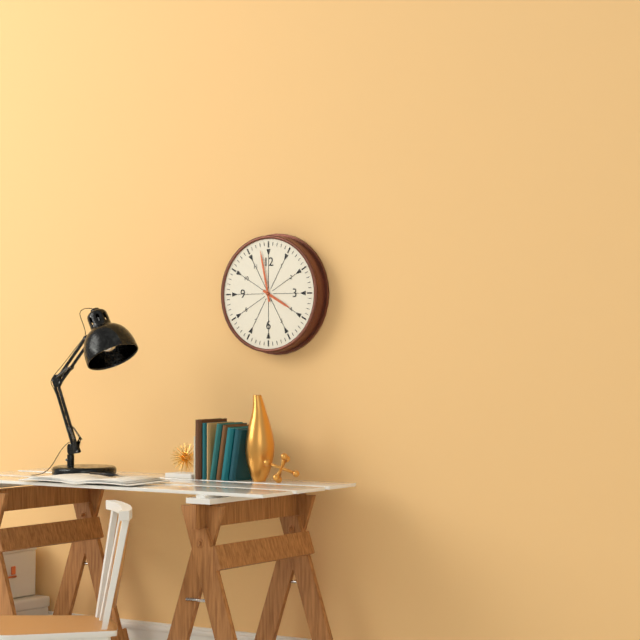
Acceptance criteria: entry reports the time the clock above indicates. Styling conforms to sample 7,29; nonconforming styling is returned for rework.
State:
3,58
